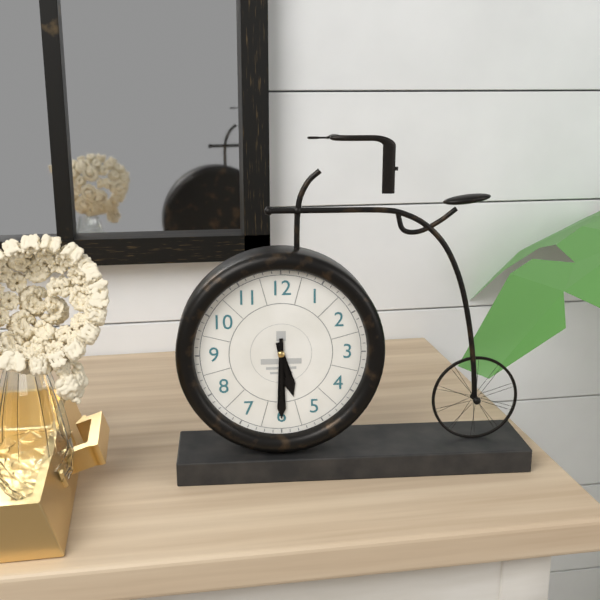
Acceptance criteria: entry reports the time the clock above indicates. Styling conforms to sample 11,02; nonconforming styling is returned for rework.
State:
5,30
